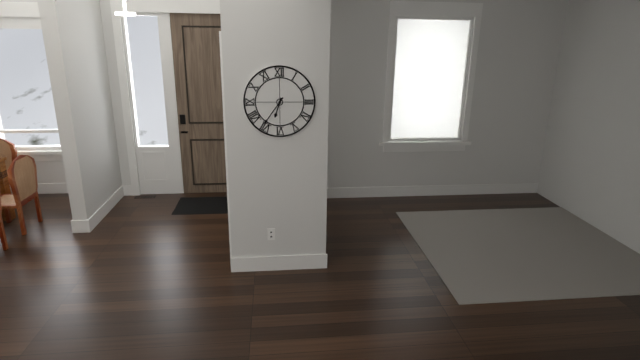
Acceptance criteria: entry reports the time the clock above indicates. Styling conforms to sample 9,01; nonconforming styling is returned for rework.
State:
6,36
